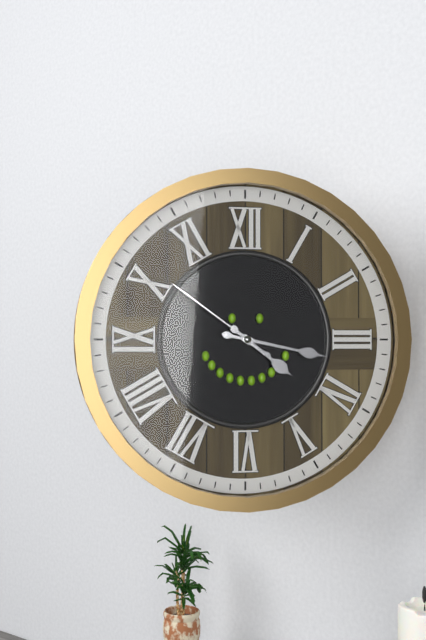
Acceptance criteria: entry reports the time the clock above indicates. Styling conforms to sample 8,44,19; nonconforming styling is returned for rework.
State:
4,17,51
